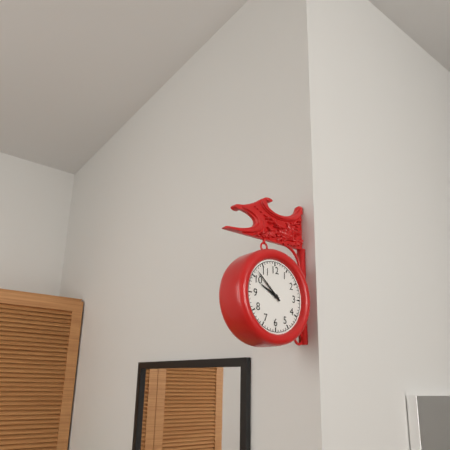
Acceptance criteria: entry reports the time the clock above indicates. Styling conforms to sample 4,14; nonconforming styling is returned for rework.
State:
9,52
